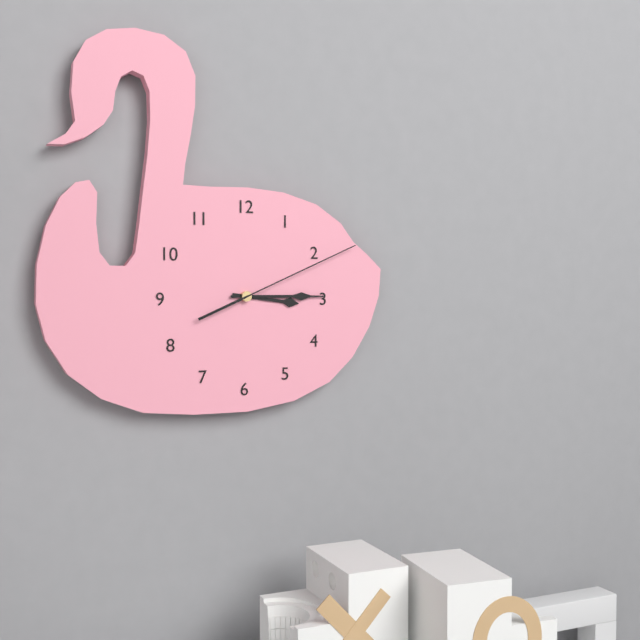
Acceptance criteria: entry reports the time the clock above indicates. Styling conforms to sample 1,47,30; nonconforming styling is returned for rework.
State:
3,15,11
